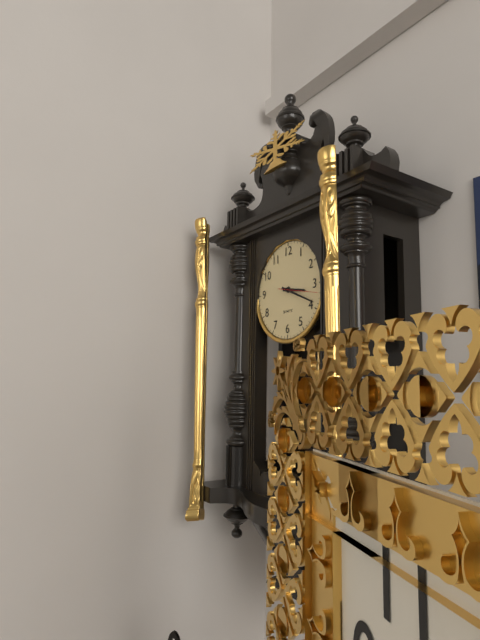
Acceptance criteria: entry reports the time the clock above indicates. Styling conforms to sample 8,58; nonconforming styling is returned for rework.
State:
3,19
